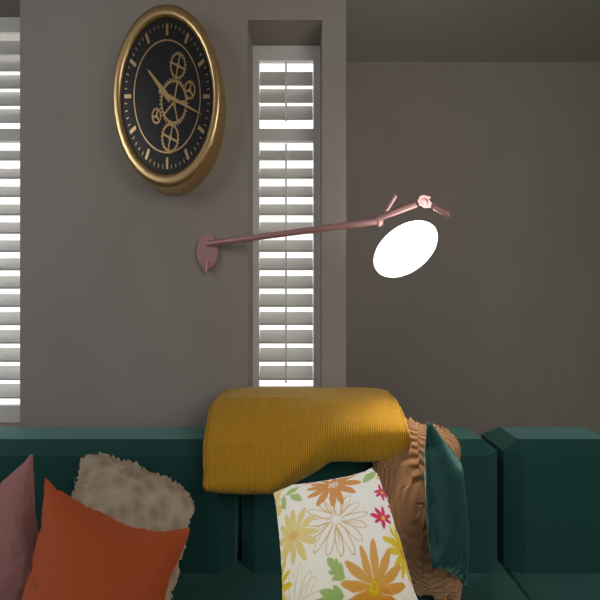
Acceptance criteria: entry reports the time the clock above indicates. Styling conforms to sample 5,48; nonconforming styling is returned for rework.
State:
10,18
